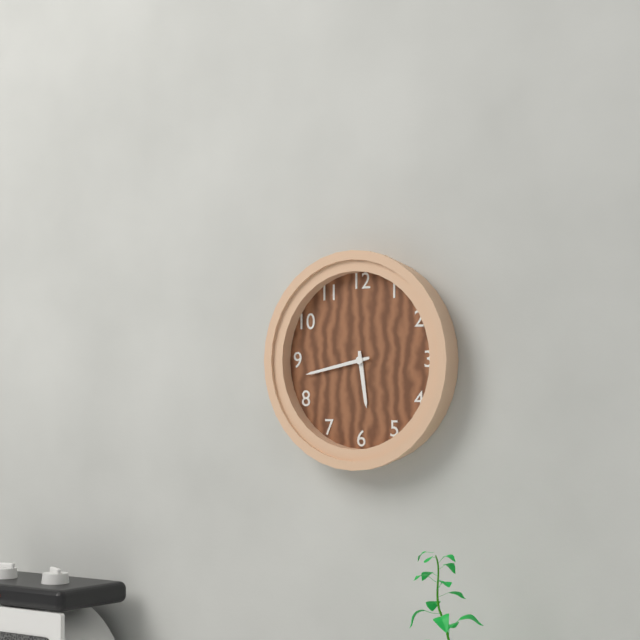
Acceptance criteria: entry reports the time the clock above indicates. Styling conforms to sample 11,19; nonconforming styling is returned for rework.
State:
5,43
